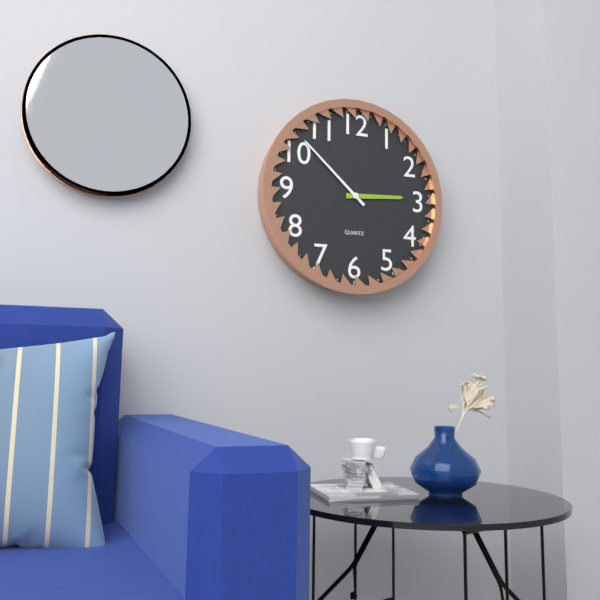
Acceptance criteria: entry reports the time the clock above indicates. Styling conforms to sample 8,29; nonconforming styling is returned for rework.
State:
2,52
